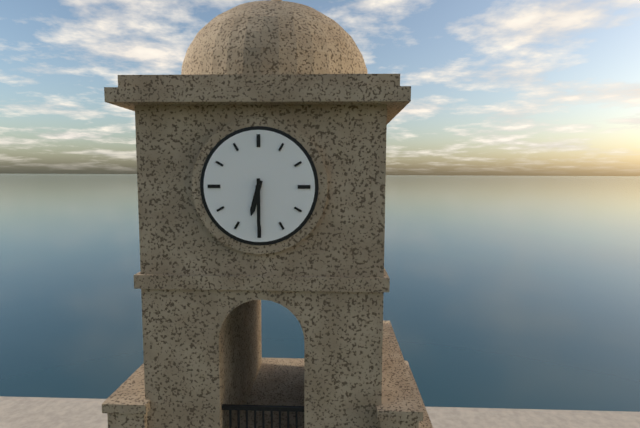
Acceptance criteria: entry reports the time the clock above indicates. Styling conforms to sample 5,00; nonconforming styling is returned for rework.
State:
6,30
